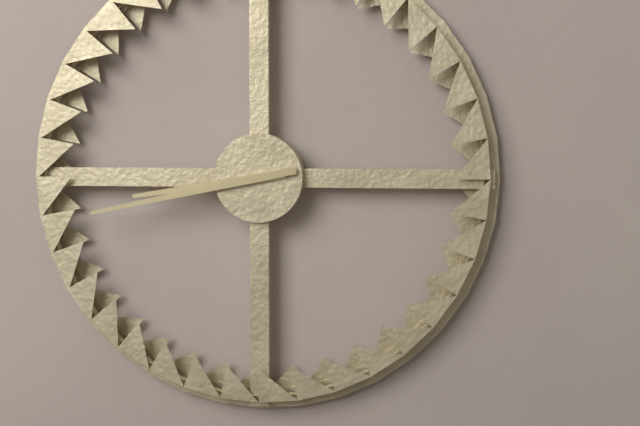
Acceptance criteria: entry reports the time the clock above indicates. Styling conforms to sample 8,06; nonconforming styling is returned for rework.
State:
8,43
